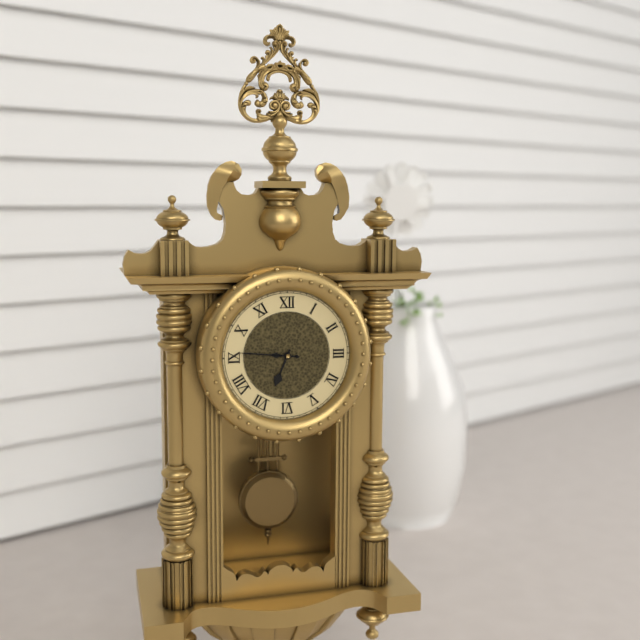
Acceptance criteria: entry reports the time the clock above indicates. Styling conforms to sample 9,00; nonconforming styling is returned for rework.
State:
6,46
